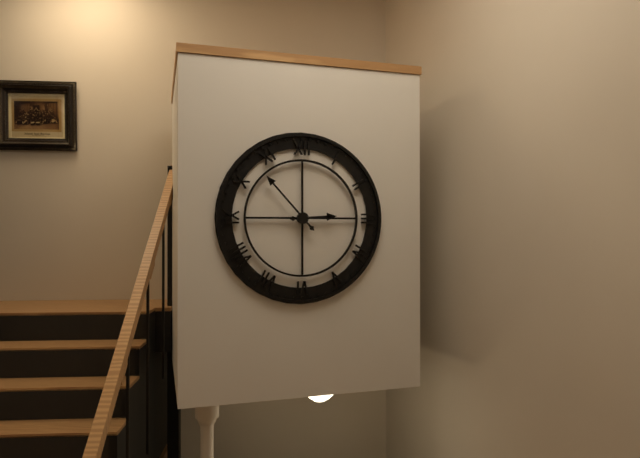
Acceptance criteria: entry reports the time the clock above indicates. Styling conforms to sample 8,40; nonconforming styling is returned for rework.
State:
2,53
